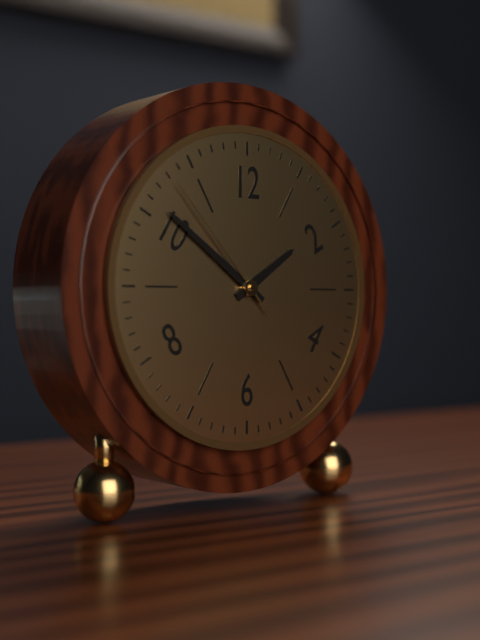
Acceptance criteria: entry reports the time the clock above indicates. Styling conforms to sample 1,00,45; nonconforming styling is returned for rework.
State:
1,51,53
